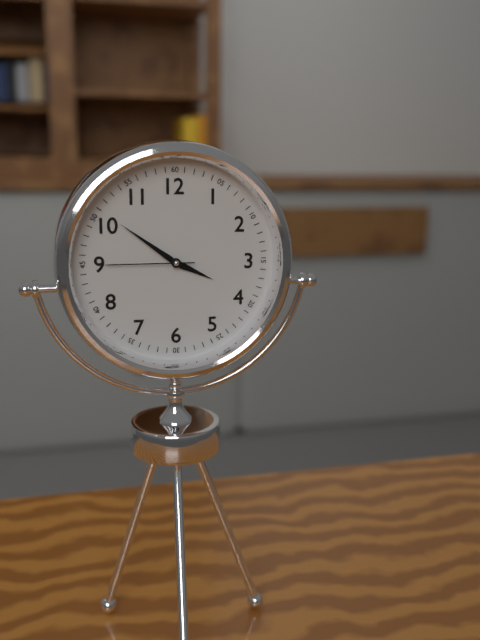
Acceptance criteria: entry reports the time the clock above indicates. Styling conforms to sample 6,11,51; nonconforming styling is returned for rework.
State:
3,51,45
